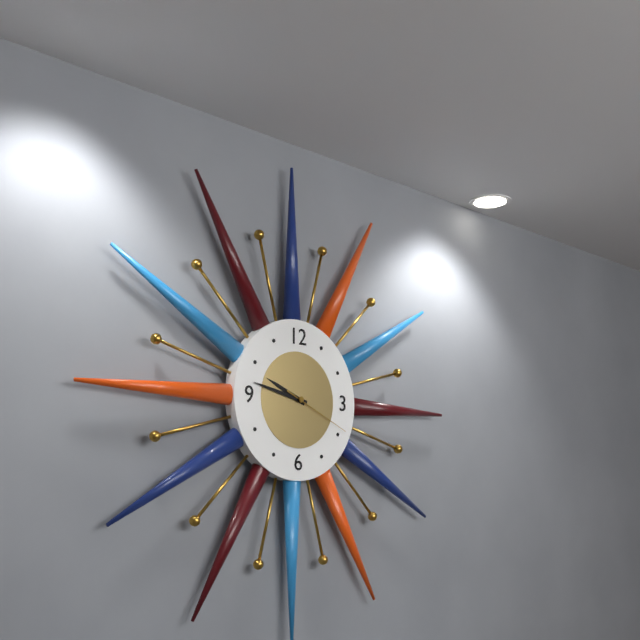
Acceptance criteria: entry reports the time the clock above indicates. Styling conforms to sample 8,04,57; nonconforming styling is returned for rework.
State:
9,47,19
